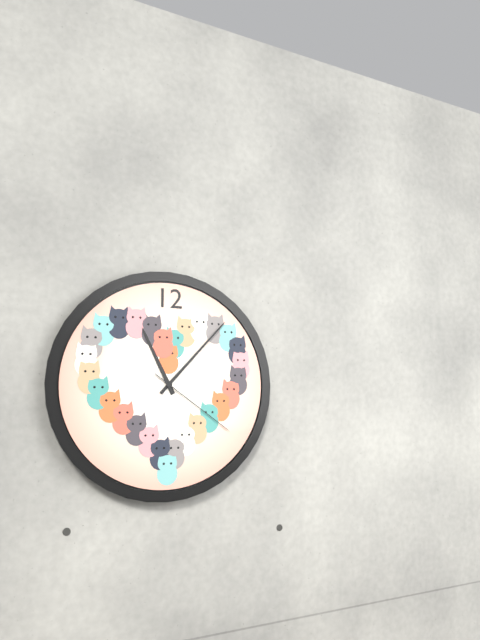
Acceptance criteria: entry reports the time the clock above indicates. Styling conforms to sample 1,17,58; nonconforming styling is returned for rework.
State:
11,07,21
